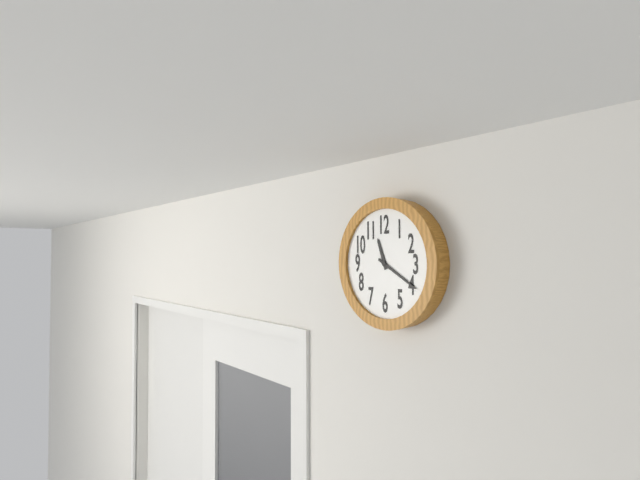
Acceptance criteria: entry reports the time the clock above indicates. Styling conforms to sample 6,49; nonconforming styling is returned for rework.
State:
11,20
